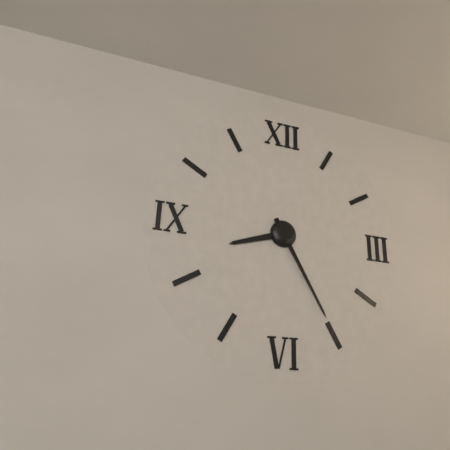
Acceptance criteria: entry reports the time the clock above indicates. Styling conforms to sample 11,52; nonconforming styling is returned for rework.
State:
8,25
